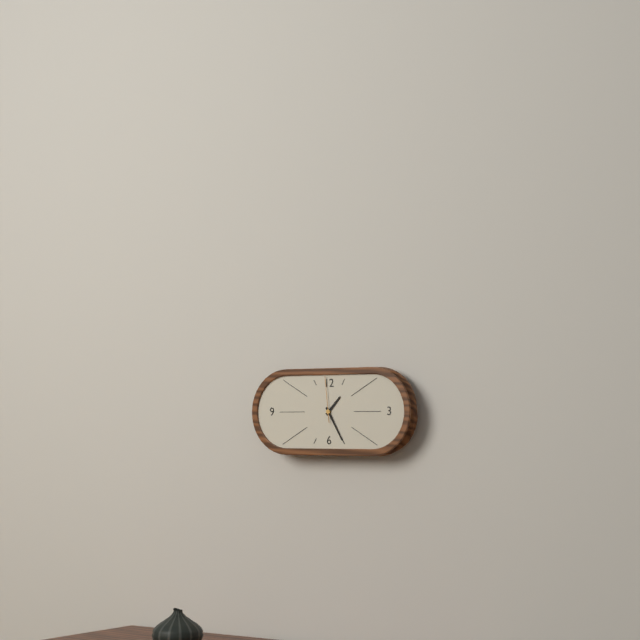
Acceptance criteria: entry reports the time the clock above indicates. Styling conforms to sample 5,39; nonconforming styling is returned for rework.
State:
1,25
